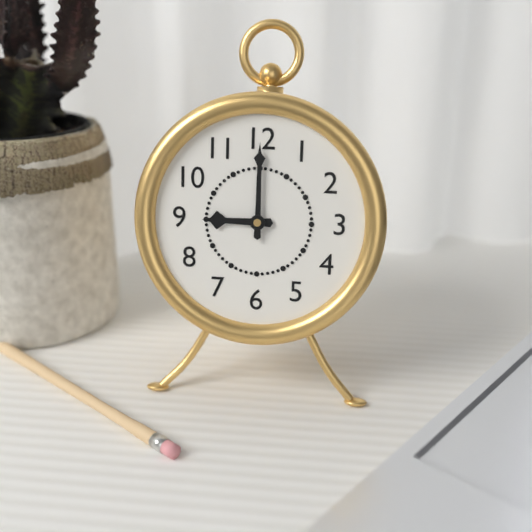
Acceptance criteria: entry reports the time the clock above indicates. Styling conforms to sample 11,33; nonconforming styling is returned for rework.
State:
9,00
